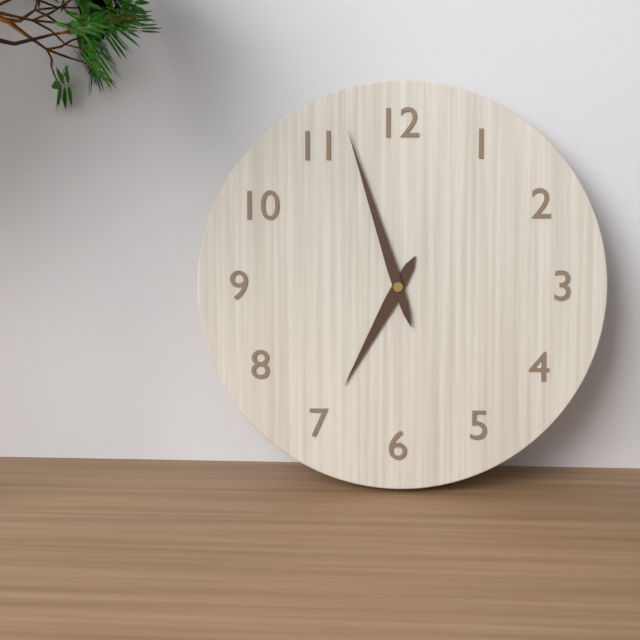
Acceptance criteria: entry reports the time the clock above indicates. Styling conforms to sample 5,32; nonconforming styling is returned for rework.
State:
6,57
